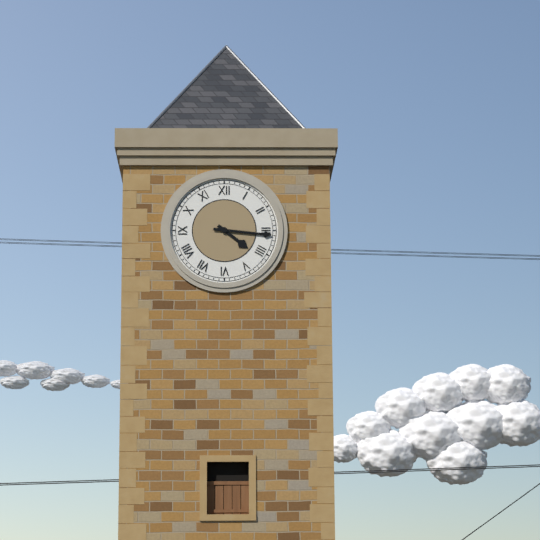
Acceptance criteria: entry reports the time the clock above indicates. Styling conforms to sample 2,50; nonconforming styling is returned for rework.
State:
4,16
